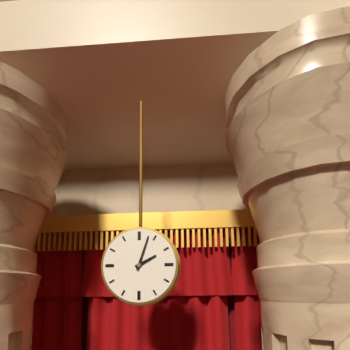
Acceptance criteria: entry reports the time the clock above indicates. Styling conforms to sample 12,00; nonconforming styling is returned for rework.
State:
2,03
